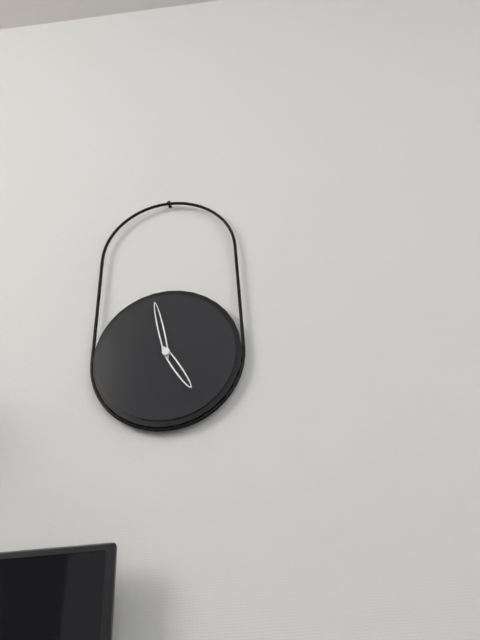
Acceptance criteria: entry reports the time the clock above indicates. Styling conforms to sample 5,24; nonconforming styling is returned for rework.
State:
4,58
